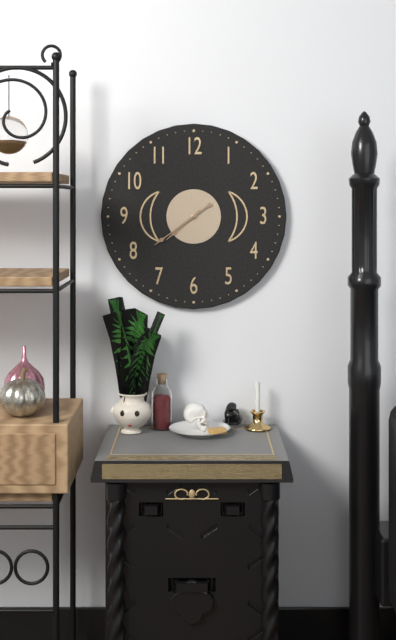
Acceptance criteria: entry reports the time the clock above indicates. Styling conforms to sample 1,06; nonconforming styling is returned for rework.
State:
7,39
